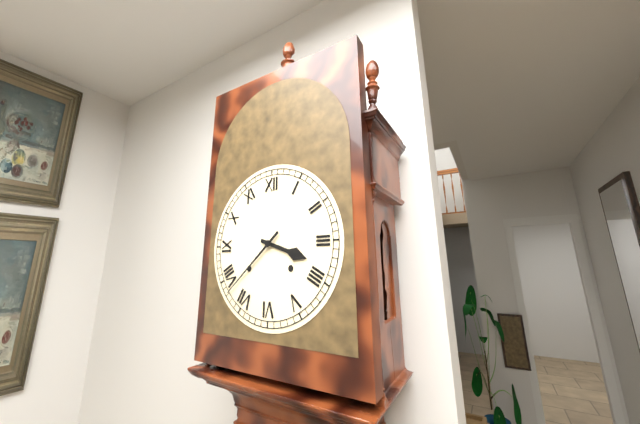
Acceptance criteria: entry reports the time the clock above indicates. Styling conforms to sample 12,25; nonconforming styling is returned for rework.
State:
3,38
